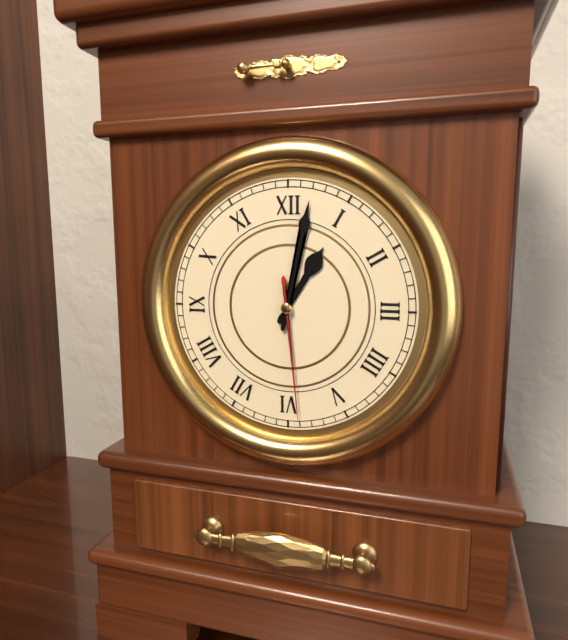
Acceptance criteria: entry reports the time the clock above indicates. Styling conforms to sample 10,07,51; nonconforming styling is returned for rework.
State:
1,02,29
